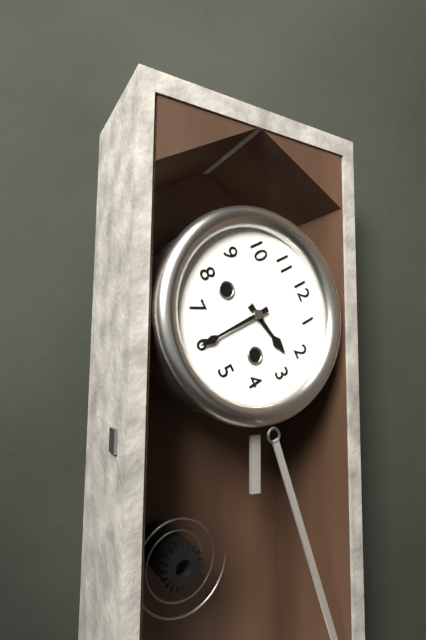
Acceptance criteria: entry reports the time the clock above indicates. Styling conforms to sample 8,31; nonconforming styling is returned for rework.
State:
2,30
